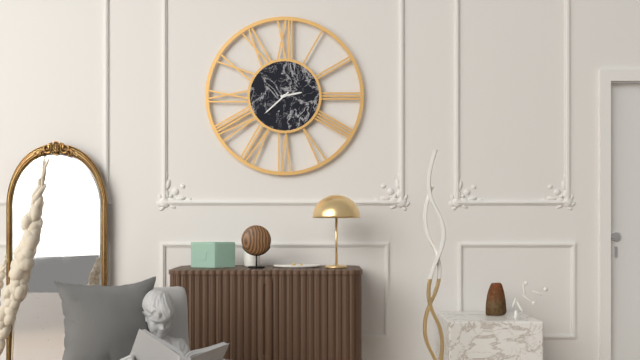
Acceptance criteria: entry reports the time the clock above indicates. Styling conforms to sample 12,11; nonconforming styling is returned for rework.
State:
2,38
